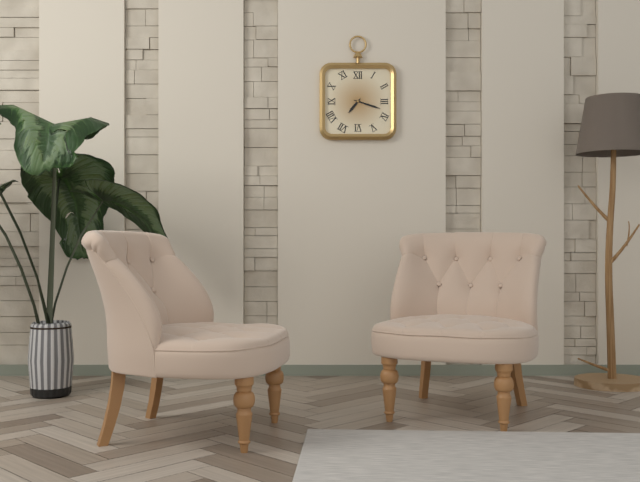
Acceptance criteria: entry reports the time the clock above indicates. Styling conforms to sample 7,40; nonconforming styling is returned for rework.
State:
7,18
